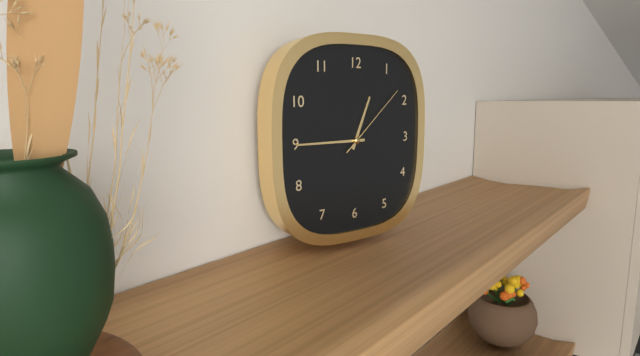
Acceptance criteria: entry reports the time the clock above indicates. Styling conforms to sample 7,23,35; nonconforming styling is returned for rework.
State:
12,45,08
